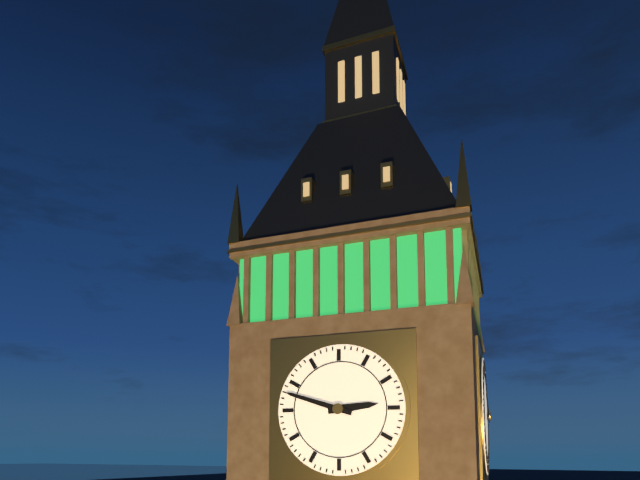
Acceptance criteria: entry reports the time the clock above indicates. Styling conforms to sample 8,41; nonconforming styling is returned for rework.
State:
2,48
